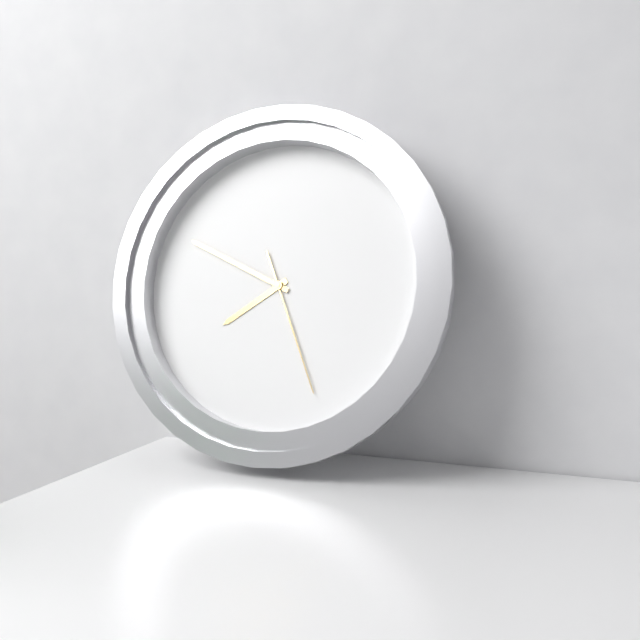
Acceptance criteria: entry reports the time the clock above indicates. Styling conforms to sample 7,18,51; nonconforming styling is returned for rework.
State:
7,49,26
